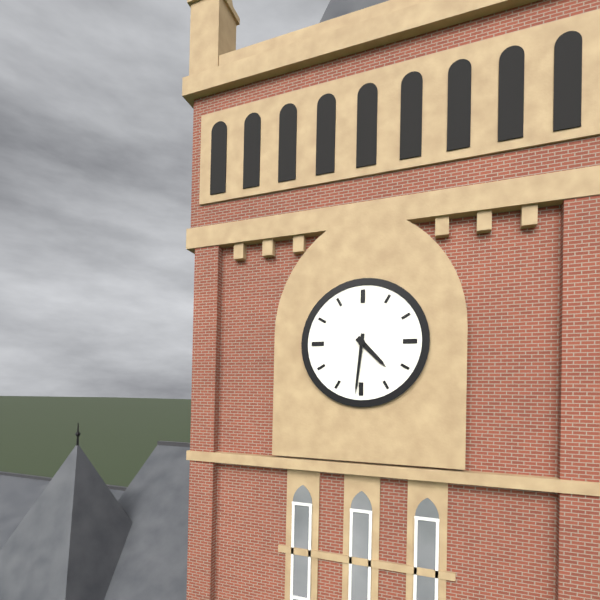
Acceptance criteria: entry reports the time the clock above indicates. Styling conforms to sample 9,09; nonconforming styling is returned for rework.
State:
4,31
